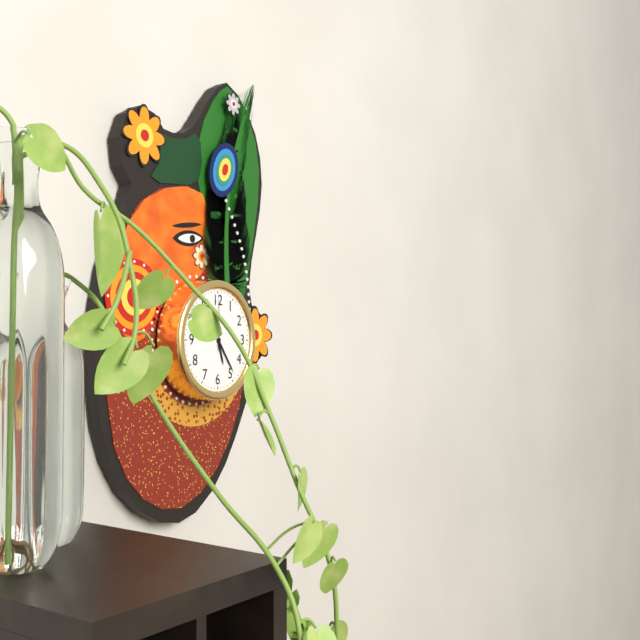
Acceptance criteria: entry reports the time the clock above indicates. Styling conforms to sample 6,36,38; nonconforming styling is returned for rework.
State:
5,24,00
